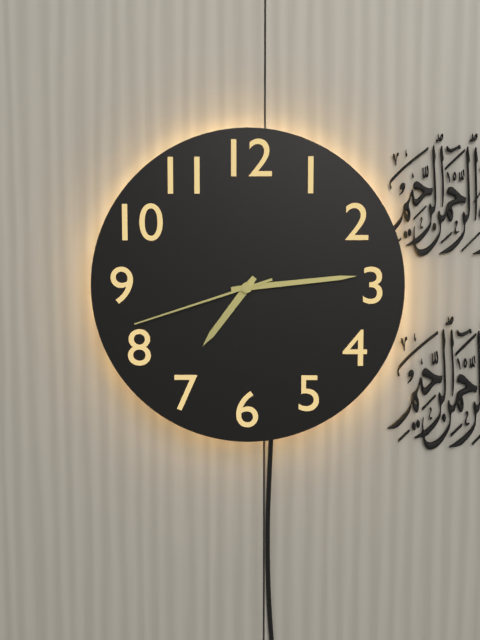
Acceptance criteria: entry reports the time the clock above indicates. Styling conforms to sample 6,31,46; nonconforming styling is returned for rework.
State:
7,14,42
